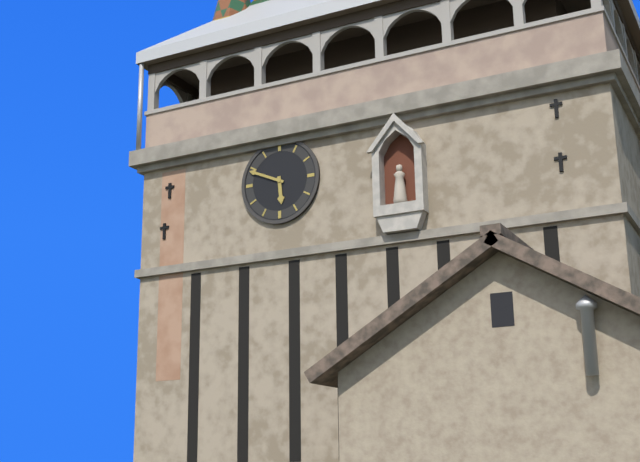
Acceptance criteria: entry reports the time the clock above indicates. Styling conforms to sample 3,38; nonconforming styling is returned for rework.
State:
5,49
